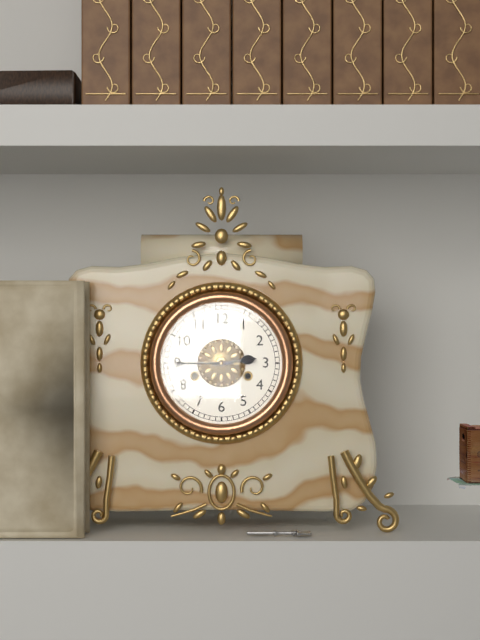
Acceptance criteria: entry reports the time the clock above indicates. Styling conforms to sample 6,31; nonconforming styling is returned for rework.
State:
2,45
